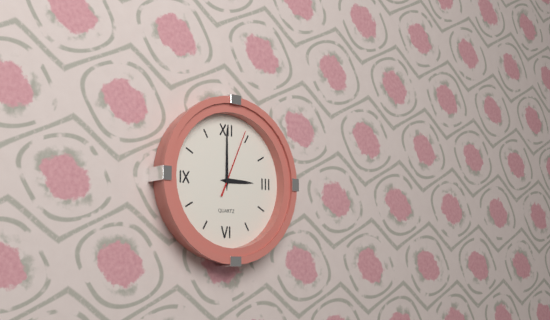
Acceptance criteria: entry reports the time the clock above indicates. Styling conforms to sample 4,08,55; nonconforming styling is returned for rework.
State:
3,00,04
